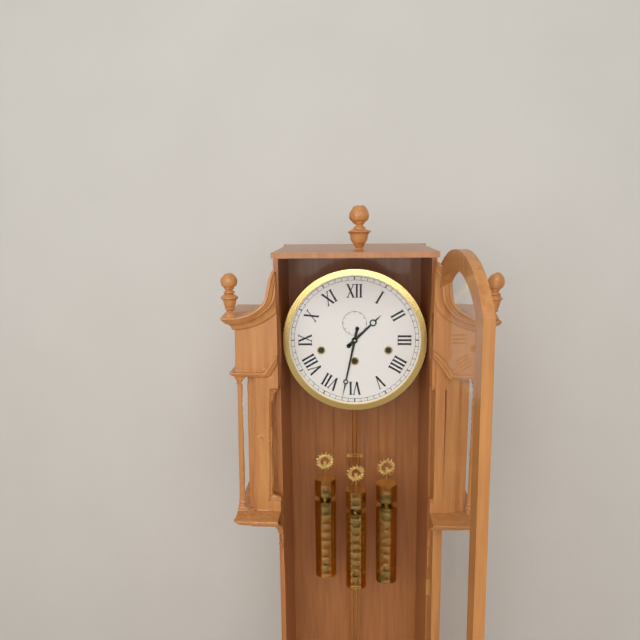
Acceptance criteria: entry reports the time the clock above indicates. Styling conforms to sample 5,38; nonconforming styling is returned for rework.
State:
1,32
